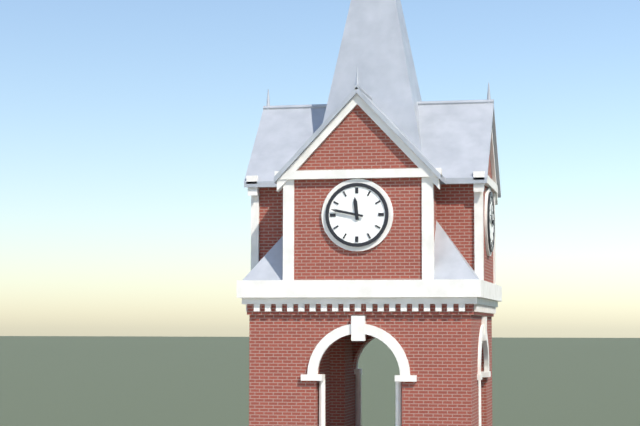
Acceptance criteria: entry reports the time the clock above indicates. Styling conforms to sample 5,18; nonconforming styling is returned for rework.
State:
11,47
